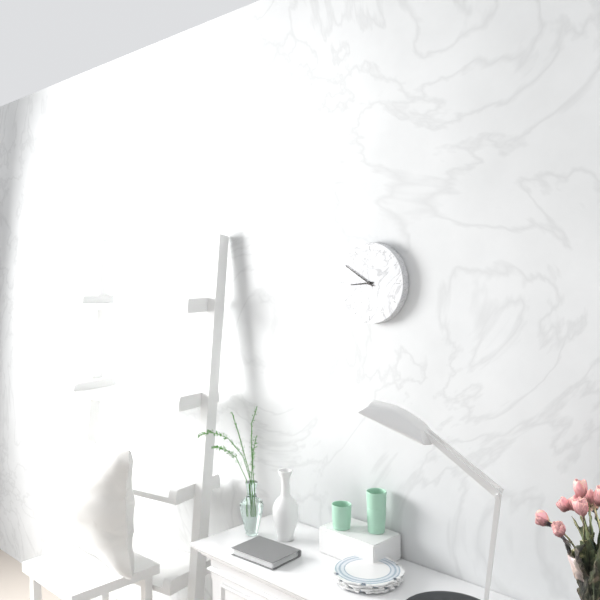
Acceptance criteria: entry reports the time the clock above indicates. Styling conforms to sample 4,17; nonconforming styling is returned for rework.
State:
8,50
